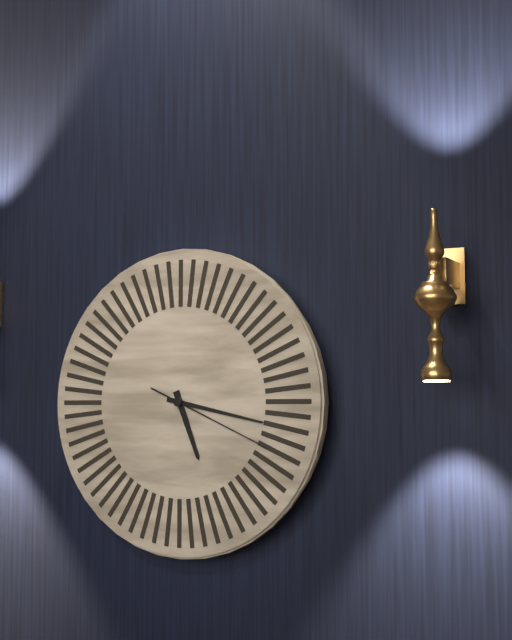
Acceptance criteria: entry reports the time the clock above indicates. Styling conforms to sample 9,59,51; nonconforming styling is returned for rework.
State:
5,17,19
